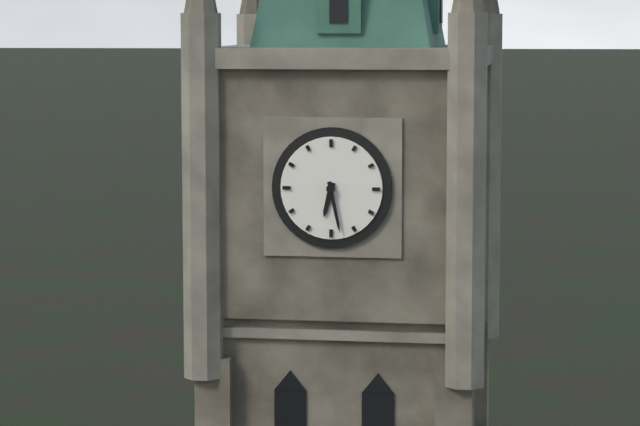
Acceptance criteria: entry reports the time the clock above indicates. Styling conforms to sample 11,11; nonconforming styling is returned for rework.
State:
6,28
